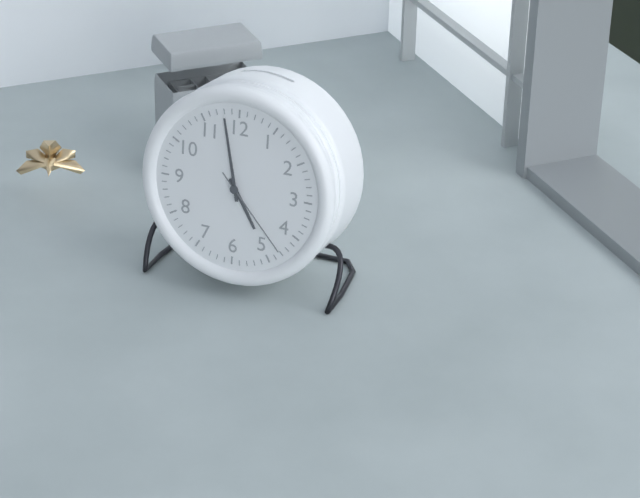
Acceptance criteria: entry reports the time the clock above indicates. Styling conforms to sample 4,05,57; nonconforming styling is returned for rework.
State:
4,58,23
